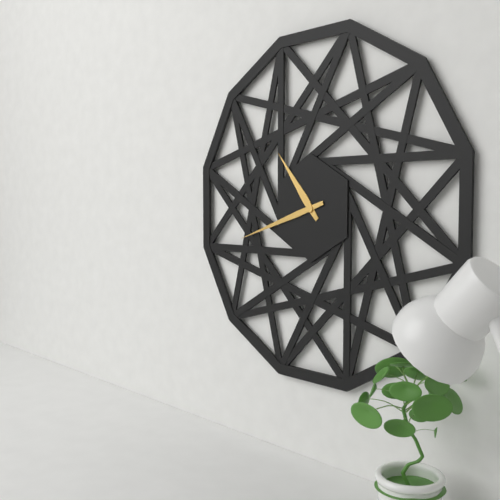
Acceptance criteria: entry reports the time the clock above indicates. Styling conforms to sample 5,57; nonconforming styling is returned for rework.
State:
10,42
